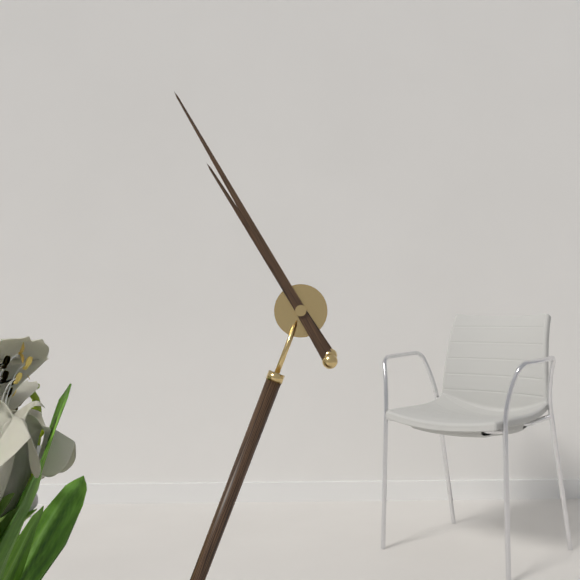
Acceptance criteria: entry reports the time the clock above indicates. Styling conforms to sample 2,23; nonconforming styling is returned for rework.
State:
10,55
